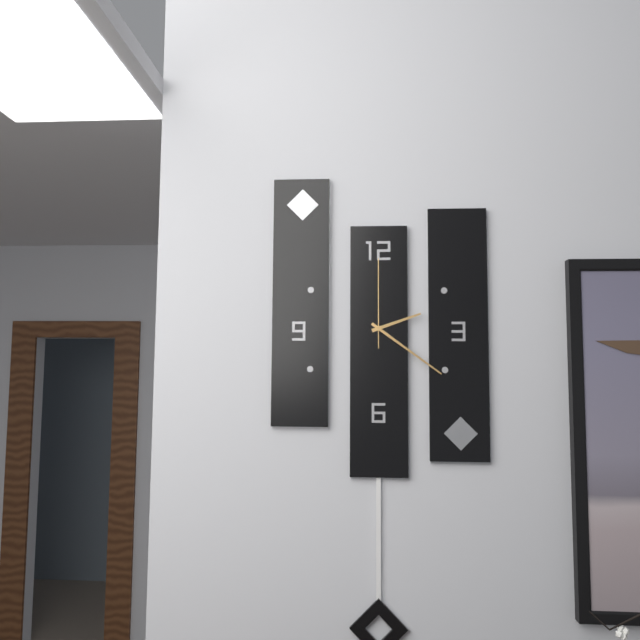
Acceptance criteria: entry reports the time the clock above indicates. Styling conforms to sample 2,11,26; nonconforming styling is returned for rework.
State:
2,21,00
